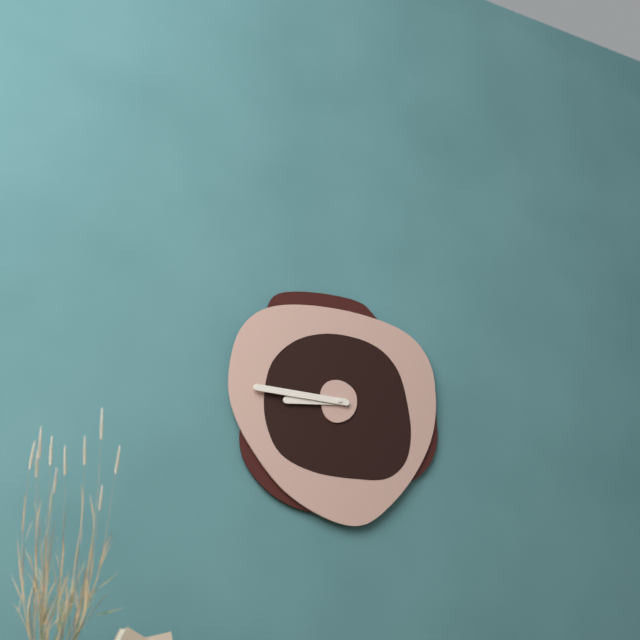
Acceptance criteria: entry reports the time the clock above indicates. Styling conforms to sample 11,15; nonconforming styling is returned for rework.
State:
8,45
